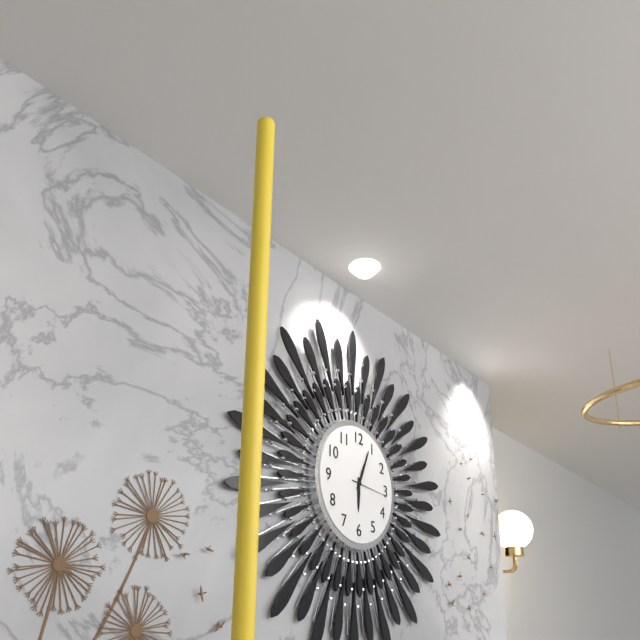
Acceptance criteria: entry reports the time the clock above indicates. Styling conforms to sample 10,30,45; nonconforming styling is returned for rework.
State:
6,04,16
